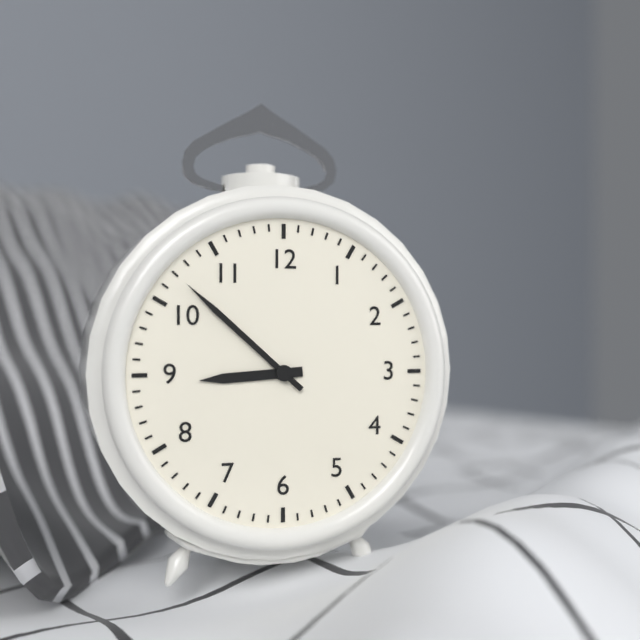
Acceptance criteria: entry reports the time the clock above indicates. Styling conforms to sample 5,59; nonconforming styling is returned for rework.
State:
8,52
